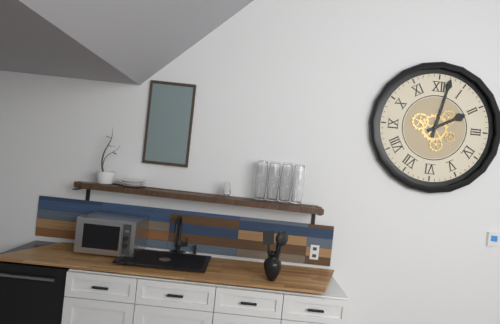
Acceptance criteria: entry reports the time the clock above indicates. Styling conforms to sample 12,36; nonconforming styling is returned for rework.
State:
2,02
